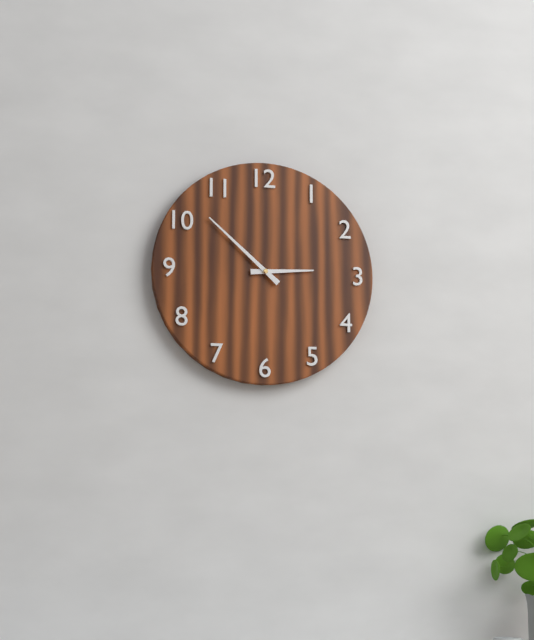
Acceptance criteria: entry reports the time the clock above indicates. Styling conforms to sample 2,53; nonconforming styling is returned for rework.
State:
2,52
